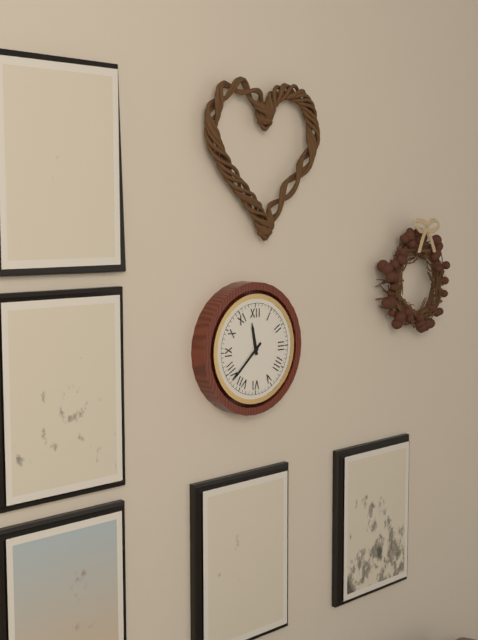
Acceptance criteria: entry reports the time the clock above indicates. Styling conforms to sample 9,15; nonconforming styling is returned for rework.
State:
11,38
